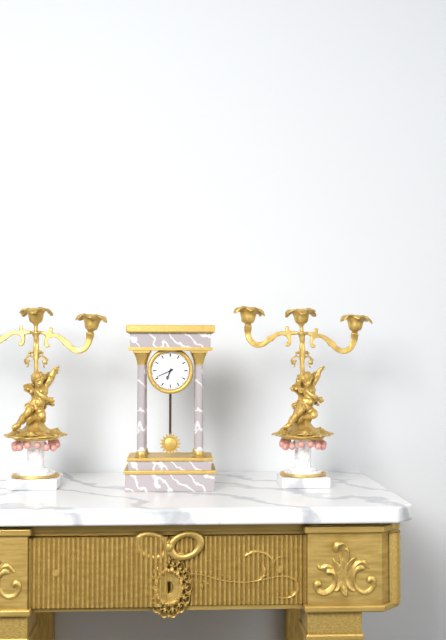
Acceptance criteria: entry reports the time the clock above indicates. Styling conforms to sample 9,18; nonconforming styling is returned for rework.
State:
6,41
